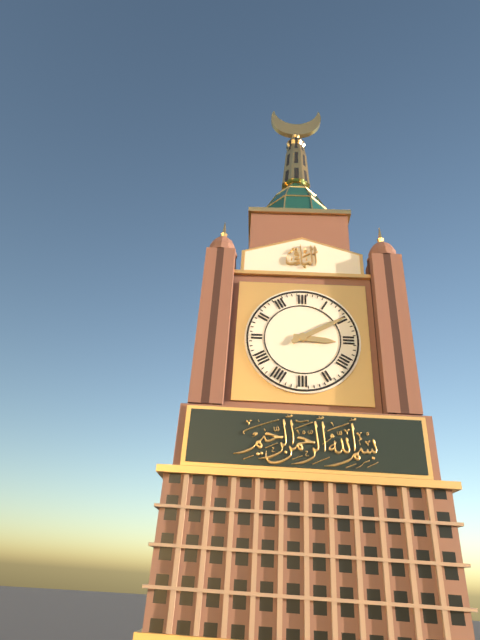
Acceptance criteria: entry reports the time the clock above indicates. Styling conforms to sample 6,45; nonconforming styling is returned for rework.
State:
3,10
